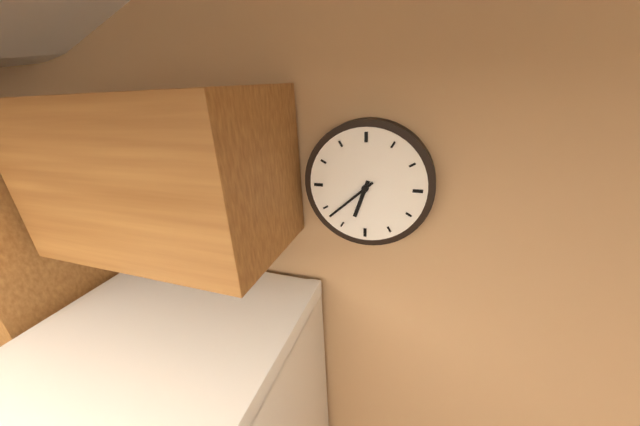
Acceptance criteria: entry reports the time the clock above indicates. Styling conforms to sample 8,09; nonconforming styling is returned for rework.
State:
6,38
